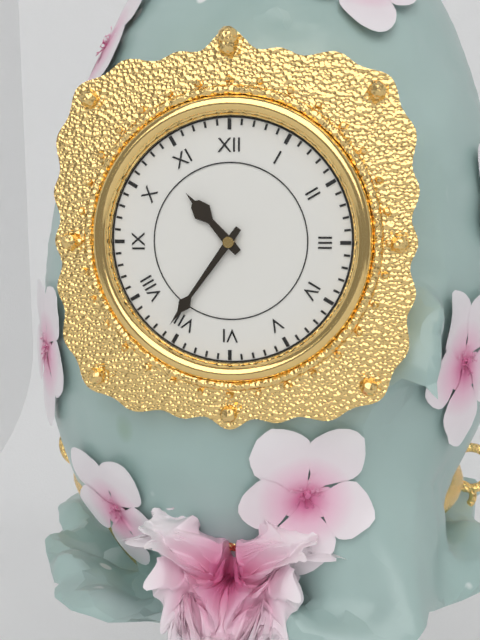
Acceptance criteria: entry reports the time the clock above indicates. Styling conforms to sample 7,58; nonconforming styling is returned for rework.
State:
10,36
